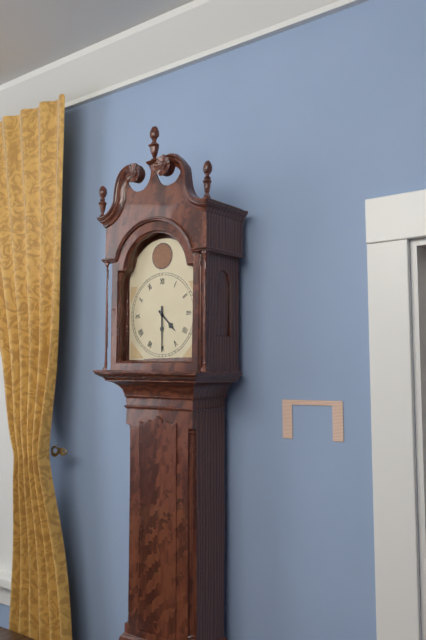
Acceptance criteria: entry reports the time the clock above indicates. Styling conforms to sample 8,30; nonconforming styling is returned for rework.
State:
4,30
